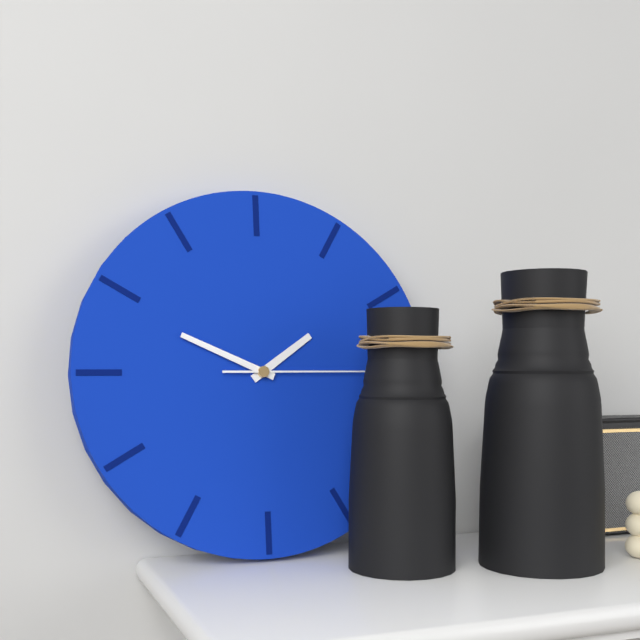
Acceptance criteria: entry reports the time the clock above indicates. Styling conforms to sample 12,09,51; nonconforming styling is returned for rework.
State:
1,49,15
